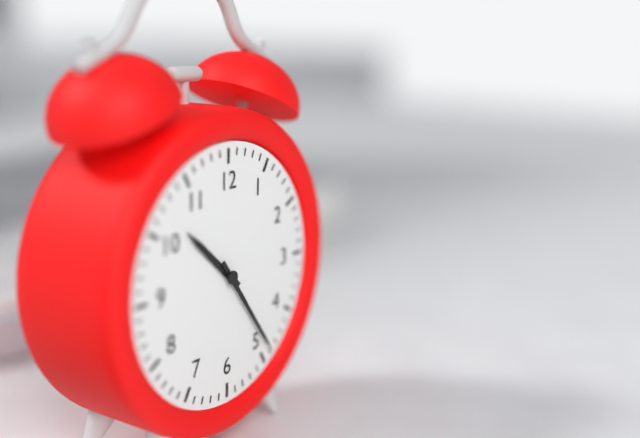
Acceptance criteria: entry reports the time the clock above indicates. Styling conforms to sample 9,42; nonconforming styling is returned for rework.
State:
10,24
